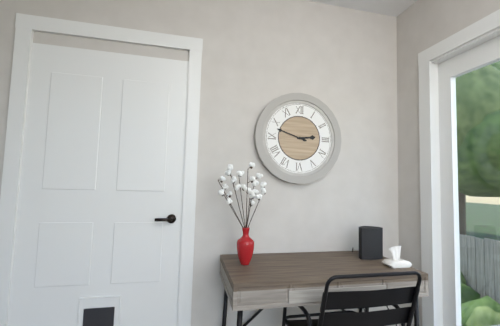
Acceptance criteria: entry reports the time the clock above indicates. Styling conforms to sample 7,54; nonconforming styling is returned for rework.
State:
2,48
